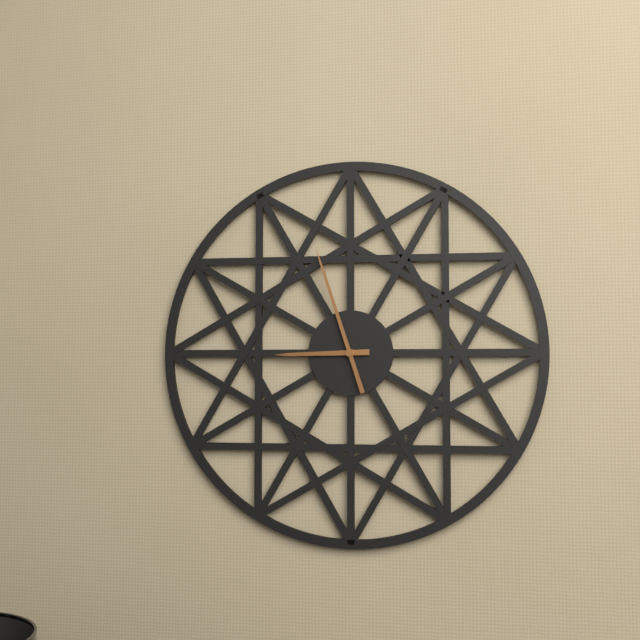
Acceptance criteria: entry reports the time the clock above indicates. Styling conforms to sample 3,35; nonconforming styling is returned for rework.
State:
8,57
